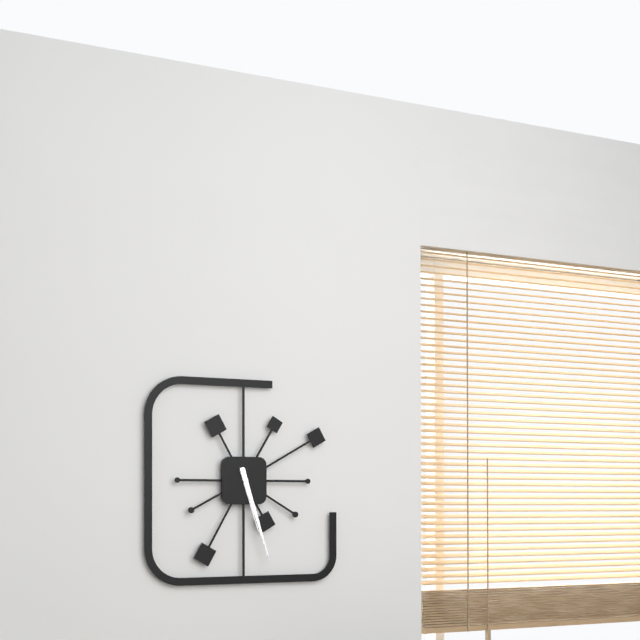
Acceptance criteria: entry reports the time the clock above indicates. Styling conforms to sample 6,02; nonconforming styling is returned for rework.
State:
5,27
